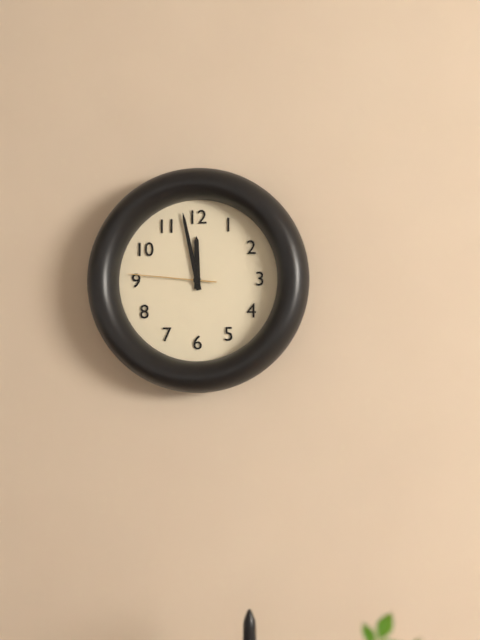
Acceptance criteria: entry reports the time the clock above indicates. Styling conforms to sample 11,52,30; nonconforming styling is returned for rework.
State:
11,58,46
